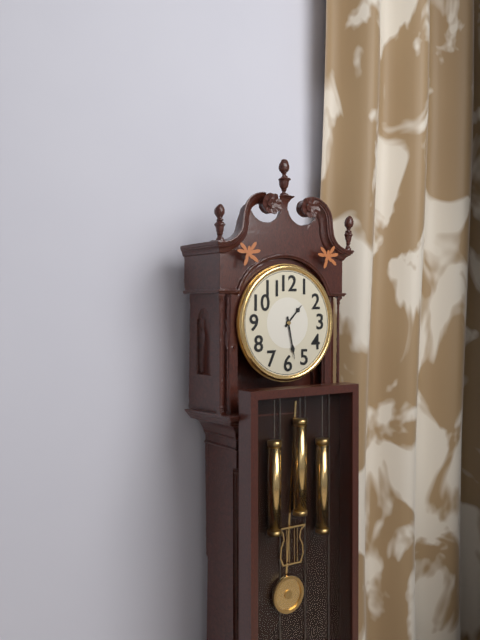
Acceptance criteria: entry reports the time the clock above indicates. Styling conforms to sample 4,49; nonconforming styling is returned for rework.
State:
1,28
